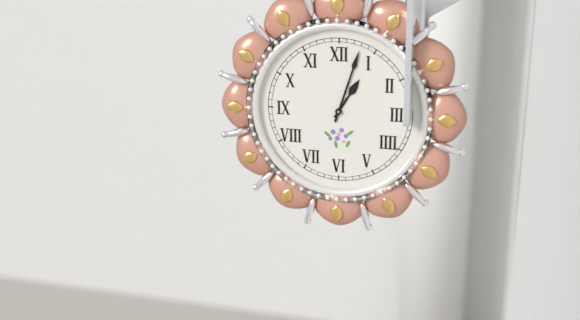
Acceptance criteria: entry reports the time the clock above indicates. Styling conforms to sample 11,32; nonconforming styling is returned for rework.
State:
1,03
